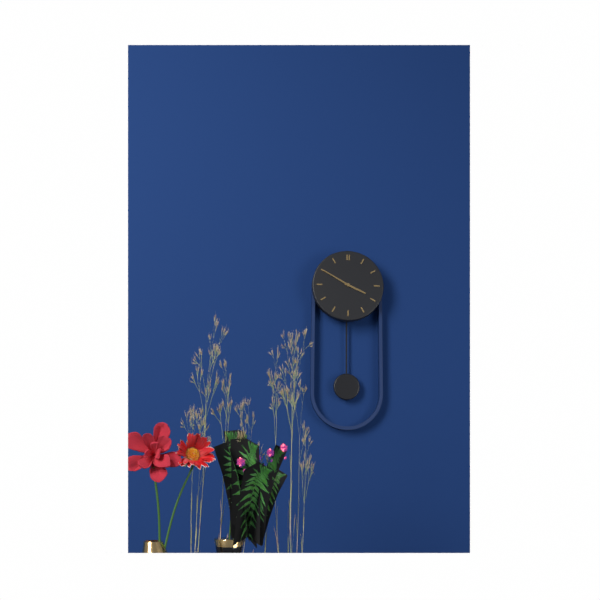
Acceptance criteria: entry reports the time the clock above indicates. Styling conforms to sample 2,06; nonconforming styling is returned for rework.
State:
3,50
